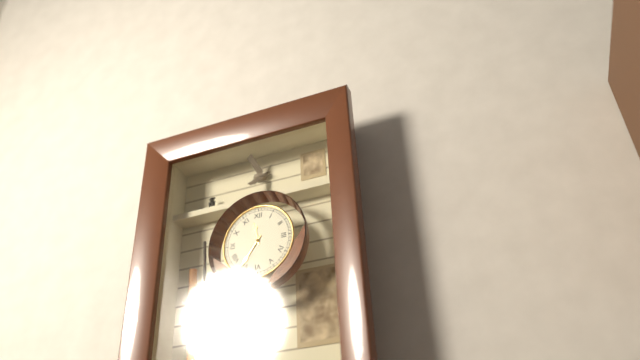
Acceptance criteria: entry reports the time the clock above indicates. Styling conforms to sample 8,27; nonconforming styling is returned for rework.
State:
11,36
